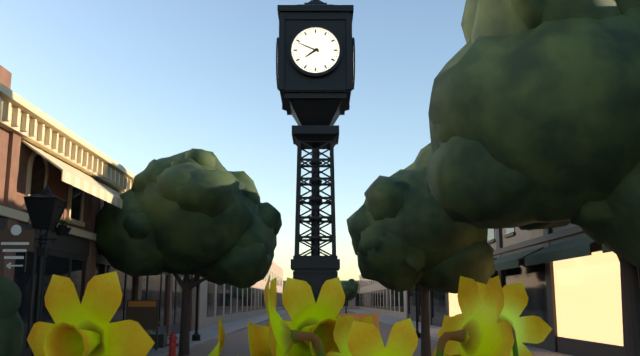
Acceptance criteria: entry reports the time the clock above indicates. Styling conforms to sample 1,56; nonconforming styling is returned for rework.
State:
7,49
